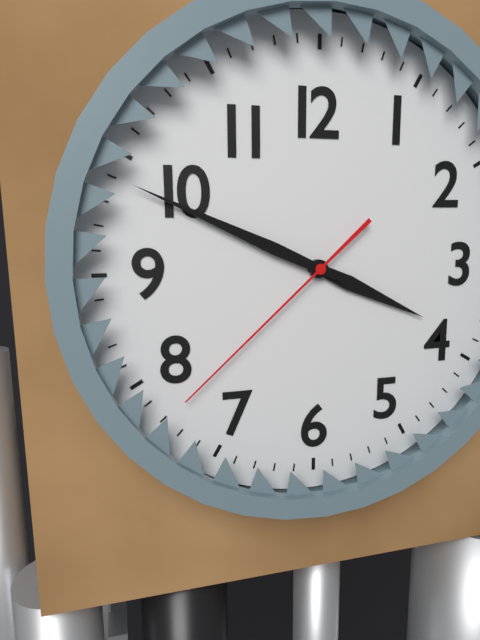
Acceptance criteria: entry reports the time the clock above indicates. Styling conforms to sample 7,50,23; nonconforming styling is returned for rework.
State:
3,49,38
